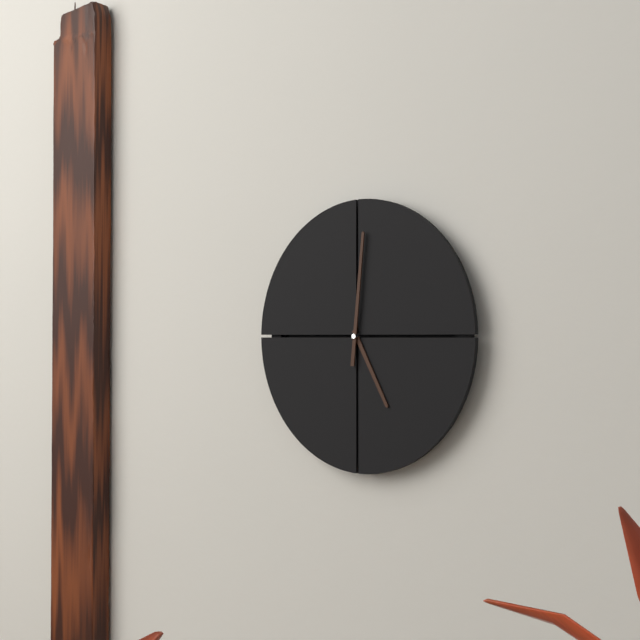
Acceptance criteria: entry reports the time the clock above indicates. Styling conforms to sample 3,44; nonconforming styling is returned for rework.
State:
5,01
